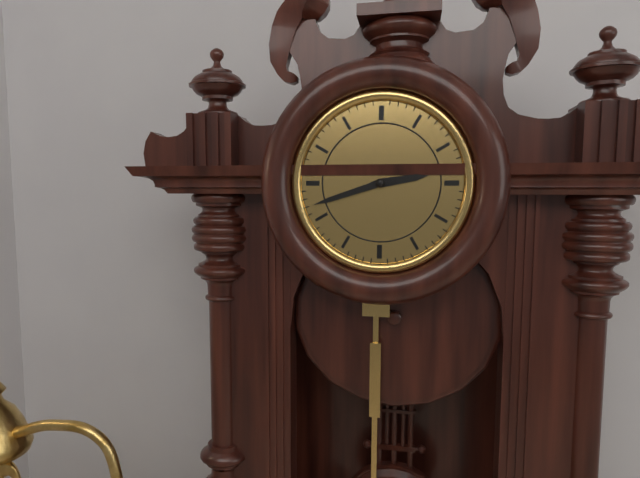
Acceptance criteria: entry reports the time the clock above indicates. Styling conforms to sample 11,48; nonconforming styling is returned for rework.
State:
2,42
